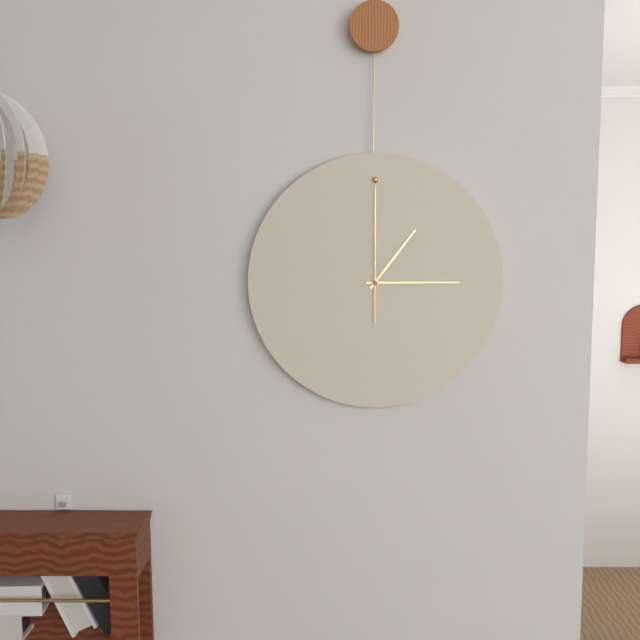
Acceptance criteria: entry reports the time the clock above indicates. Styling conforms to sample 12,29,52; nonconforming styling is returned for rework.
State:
1,15,00
